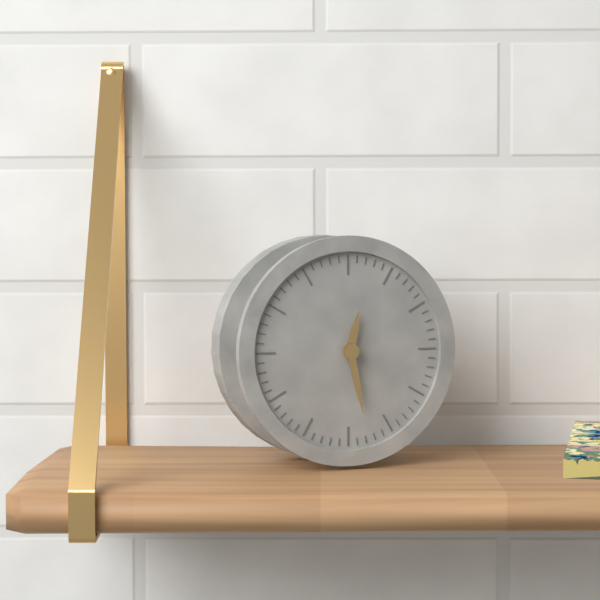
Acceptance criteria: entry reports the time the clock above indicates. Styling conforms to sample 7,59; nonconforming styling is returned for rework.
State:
12,28
